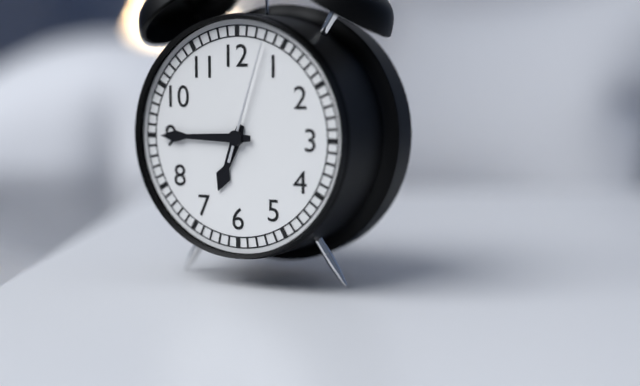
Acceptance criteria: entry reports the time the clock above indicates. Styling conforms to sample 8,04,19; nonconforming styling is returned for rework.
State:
6,45,03
